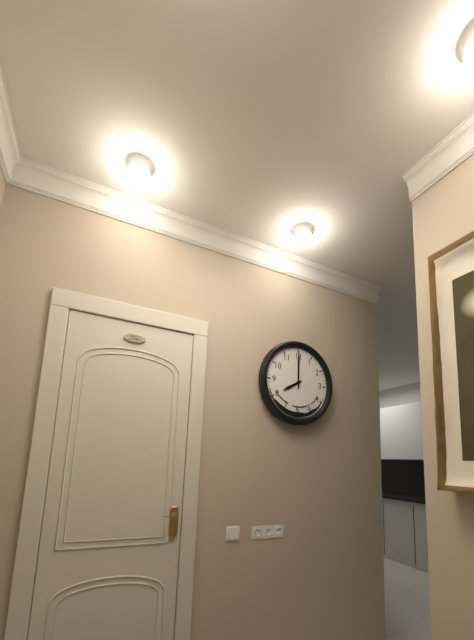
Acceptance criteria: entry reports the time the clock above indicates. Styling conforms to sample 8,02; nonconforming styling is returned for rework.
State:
8,00
